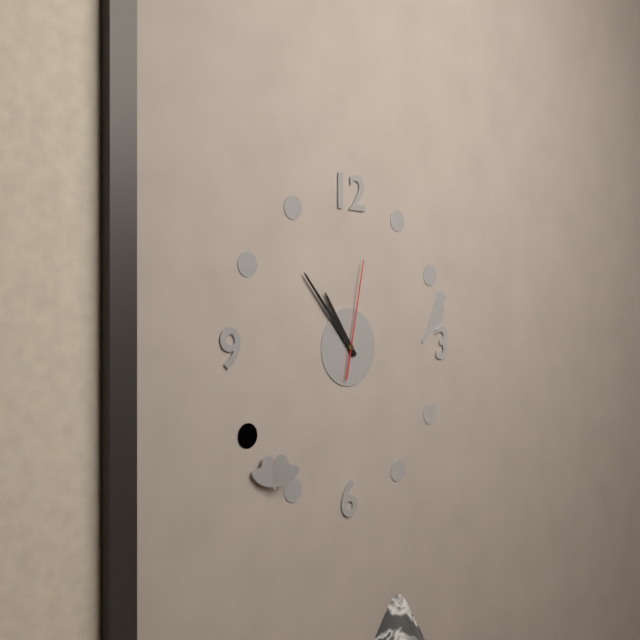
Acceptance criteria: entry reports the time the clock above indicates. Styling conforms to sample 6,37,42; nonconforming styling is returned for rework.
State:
10,53,02
